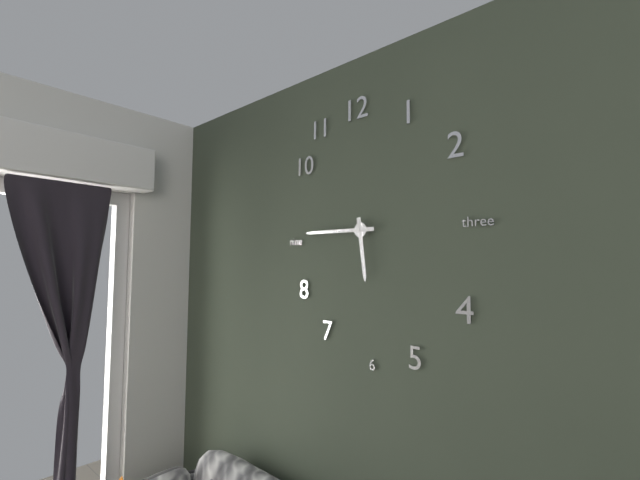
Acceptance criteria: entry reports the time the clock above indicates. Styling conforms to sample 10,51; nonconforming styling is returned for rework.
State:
5,45
